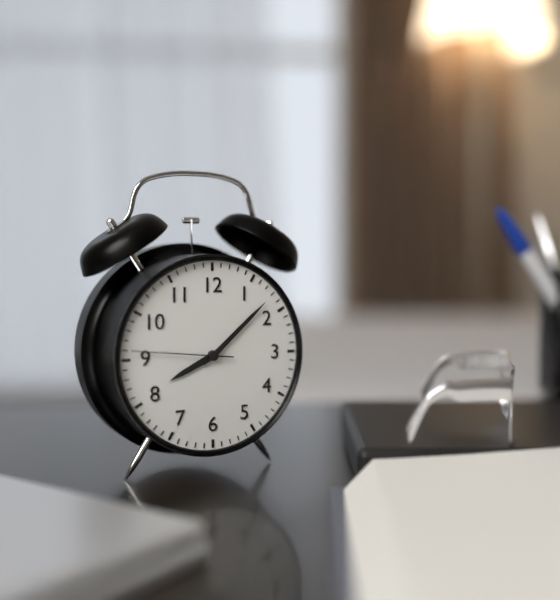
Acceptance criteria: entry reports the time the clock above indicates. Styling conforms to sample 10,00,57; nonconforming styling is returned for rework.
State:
8,08,46
